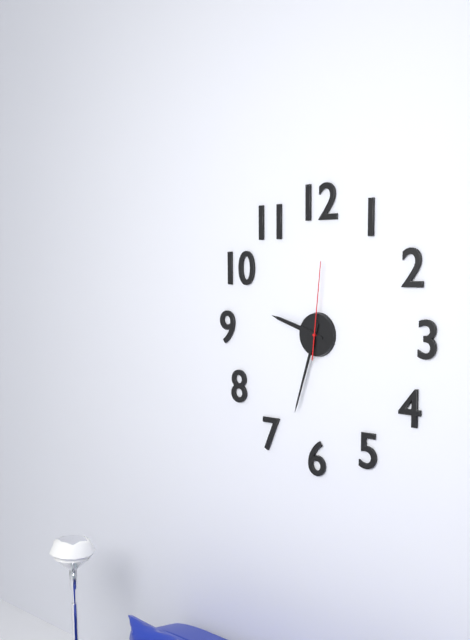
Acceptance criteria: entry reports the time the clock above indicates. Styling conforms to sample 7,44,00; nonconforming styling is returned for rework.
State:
9,33,01
